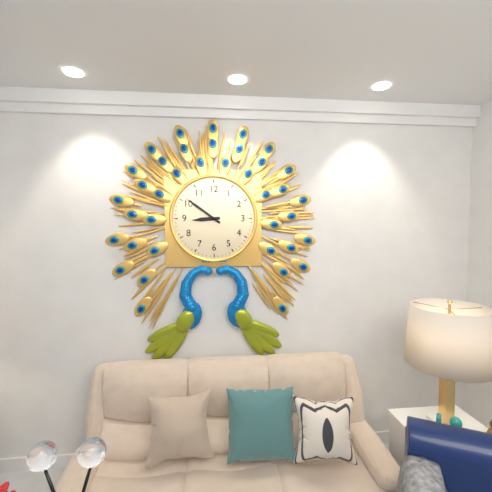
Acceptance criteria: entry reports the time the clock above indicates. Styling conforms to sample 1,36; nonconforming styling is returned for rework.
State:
8,51
